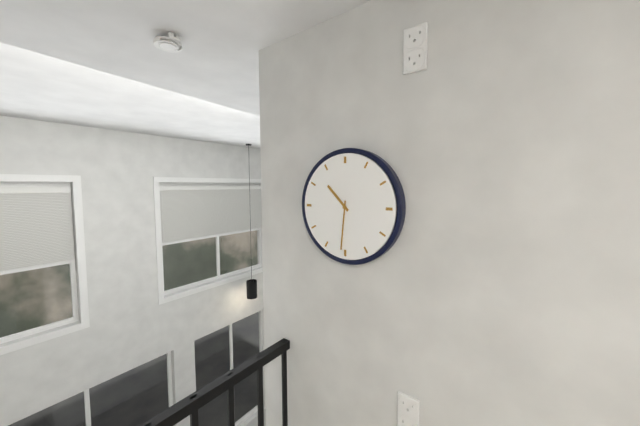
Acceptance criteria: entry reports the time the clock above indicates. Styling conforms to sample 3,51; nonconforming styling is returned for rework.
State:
10,31
